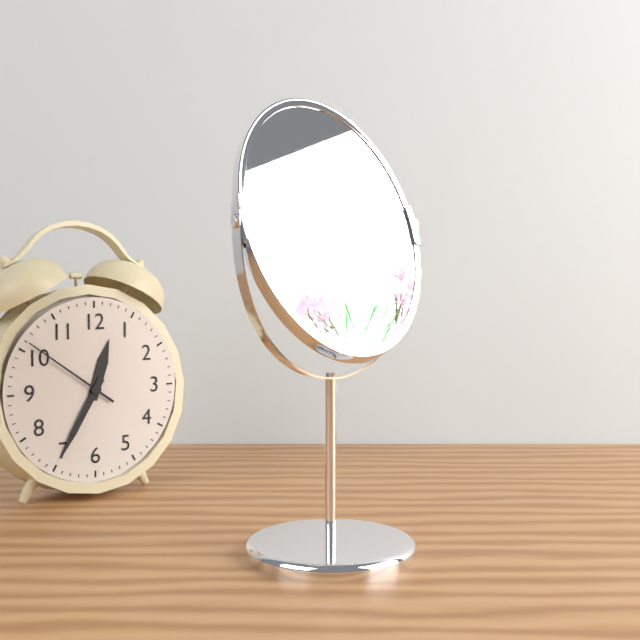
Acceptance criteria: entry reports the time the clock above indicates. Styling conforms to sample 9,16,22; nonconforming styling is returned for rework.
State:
12,35,51
